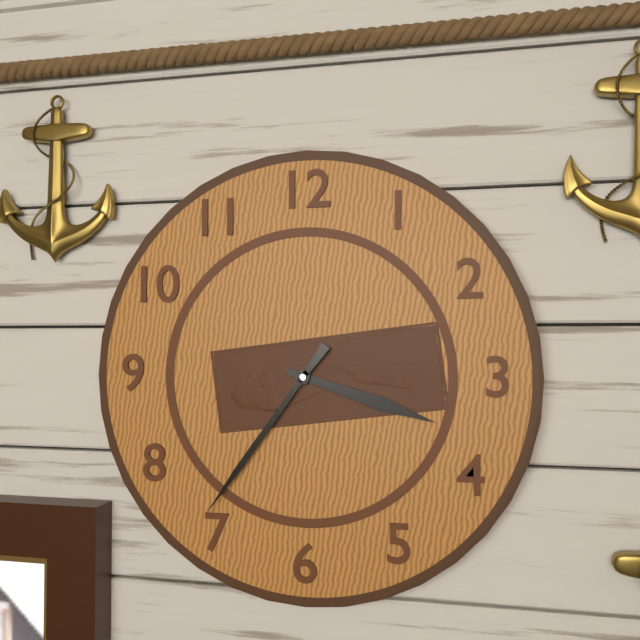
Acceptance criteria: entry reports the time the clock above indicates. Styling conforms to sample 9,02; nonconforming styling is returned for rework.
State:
3,36
